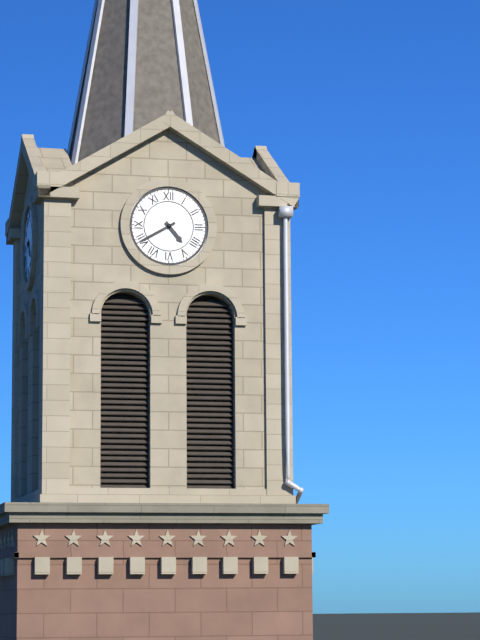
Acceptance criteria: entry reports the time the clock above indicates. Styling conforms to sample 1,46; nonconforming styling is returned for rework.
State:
4,40
